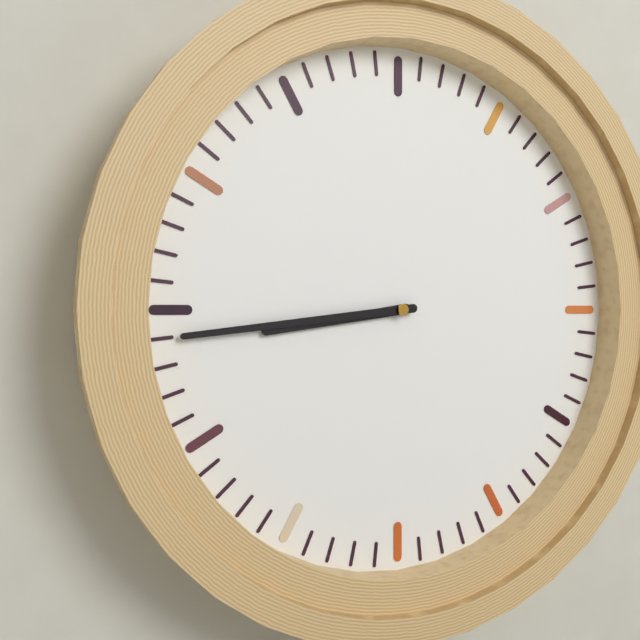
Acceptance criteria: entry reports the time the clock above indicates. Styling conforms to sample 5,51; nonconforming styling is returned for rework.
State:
8,44
